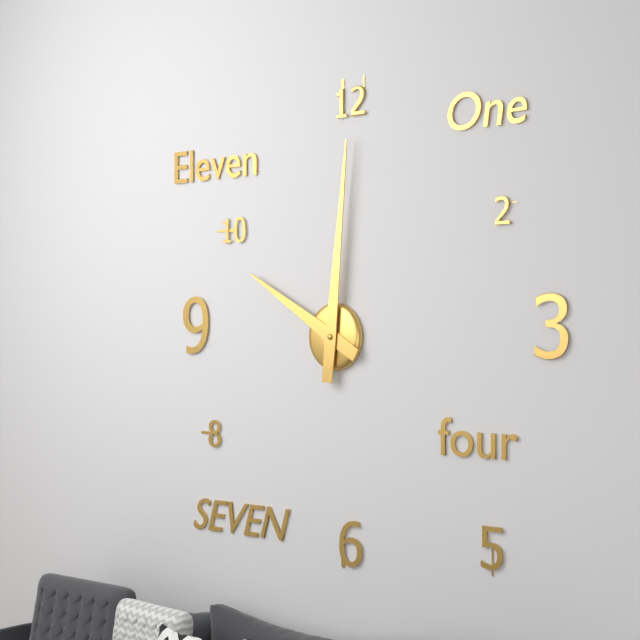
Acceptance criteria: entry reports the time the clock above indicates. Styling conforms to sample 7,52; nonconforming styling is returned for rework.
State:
10,01
